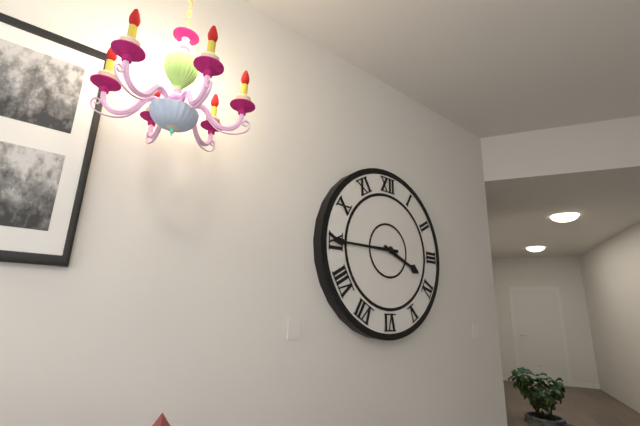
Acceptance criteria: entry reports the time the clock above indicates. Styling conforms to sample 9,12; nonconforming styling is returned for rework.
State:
3,45
